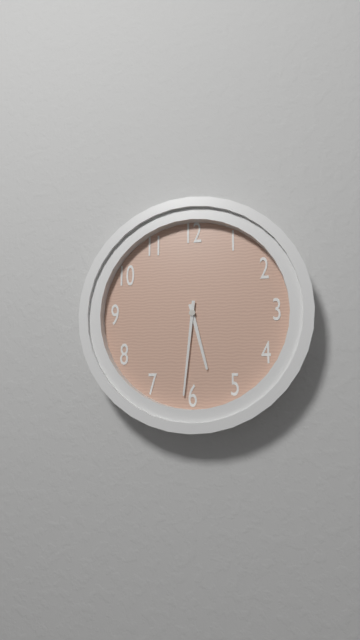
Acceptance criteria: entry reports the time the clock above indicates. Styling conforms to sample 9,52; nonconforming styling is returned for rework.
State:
5,31
